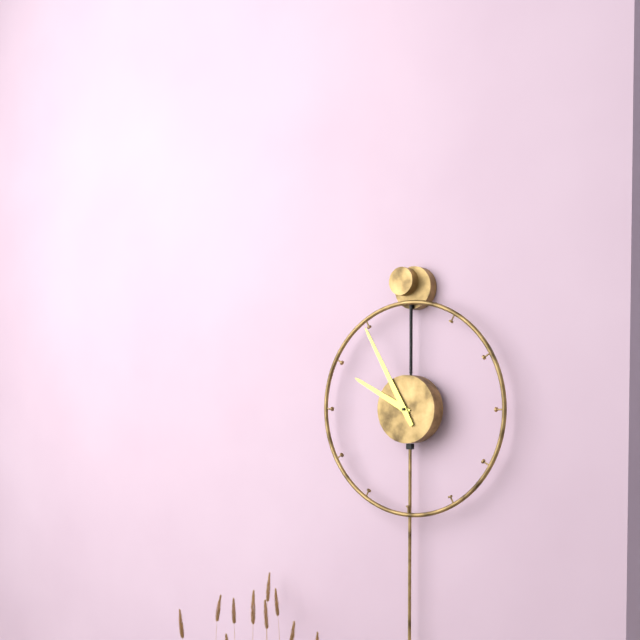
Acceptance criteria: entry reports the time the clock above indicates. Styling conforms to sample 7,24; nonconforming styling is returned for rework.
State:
9,55
